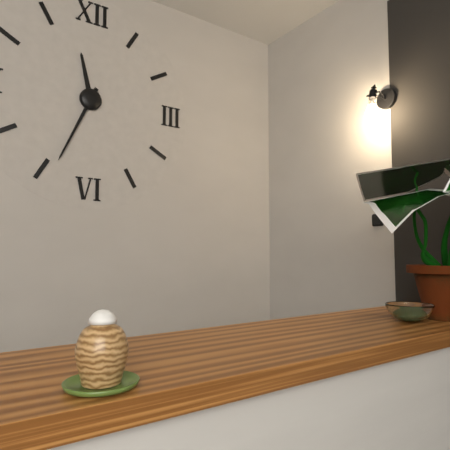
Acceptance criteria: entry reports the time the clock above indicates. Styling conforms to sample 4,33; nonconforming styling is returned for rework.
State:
11,34
